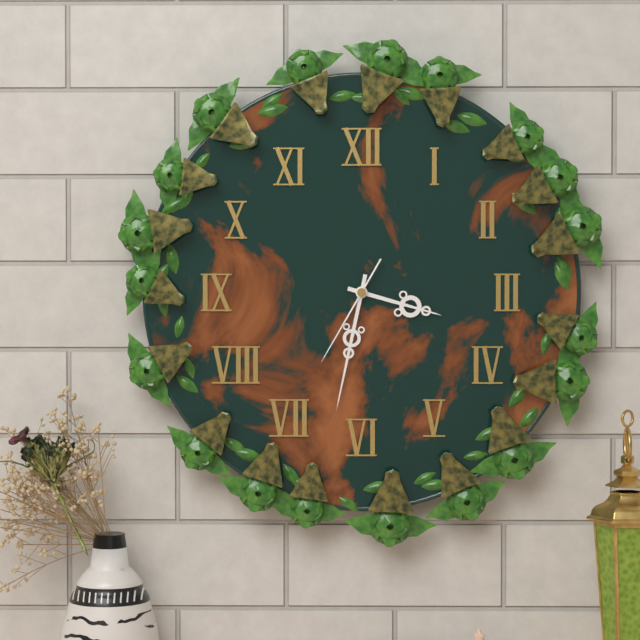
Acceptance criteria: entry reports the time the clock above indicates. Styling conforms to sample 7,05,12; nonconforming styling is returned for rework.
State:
3,32,35
